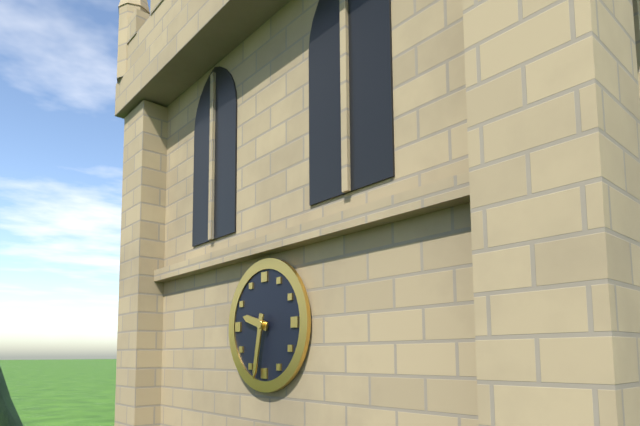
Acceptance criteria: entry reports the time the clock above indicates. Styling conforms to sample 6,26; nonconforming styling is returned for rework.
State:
9,32
